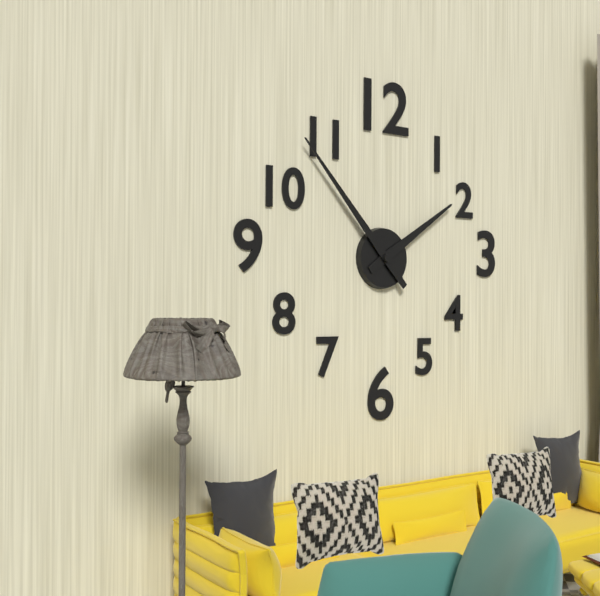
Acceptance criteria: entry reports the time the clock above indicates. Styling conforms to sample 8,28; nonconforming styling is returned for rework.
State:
1,53
